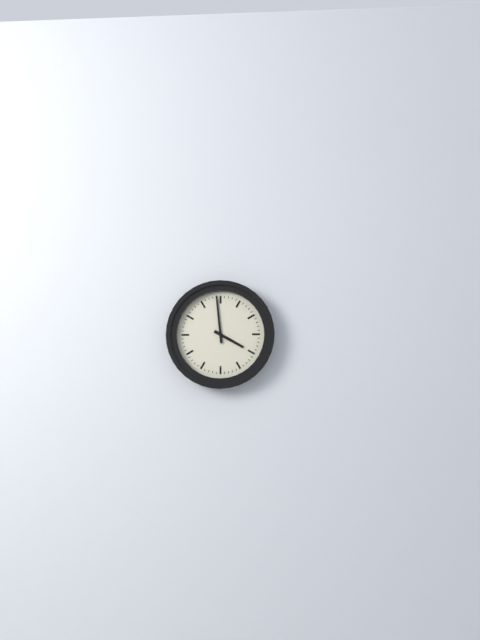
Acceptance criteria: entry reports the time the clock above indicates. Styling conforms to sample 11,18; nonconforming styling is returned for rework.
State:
3,59
